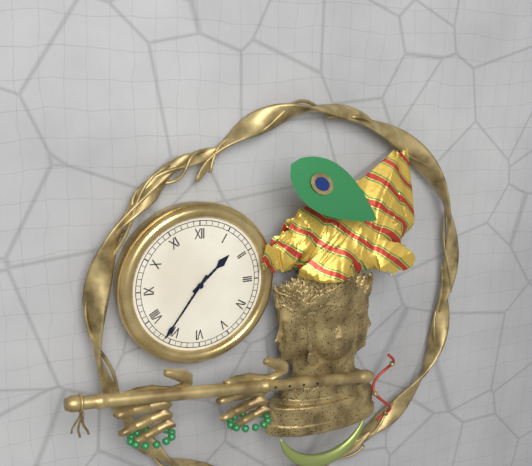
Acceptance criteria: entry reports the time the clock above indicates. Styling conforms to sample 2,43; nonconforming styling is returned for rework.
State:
1,36
